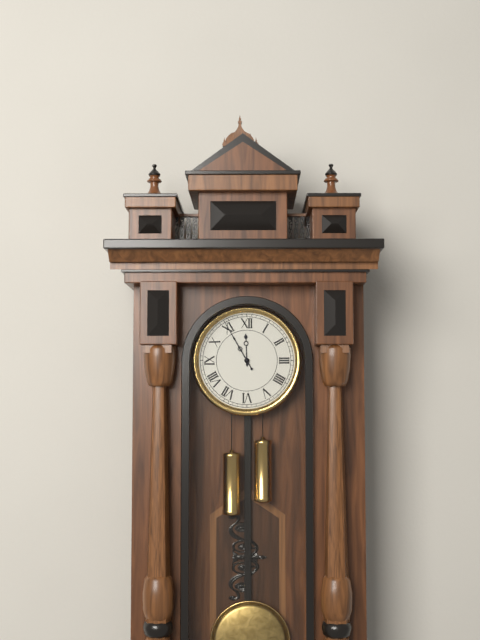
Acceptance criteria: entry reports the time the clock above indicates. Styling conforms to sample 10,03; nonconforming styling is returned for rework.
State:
11,55
